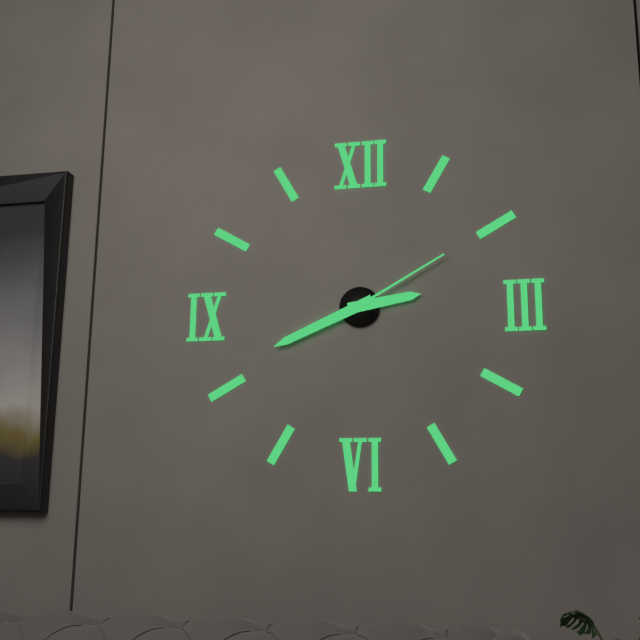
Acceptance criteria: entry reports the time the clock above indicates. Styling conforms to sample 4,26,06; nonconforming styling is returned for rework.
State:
2,41,10
